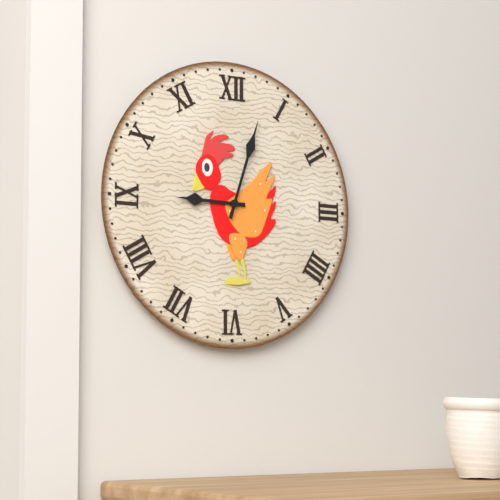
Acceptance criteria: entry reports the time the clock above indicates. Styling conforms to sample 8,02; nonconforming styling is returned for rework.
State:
9,03
